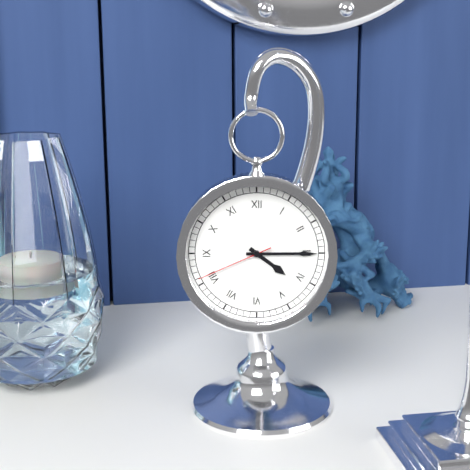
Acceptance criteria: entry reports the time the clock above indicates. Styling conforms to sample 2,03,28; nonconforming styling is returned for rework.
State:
4,15,41
